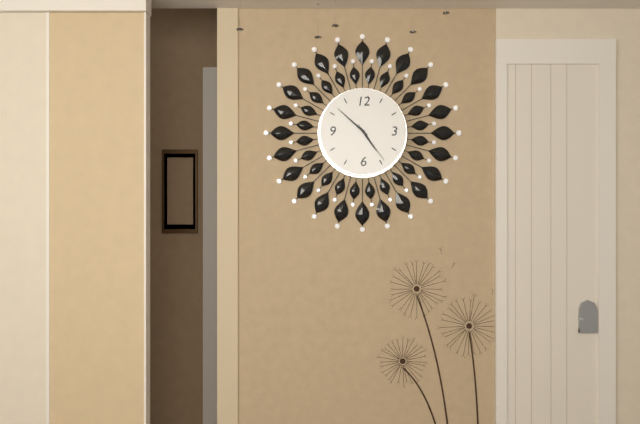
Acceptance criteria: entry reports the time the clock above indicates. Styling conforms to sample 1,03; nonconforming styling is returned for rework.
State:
4,52
